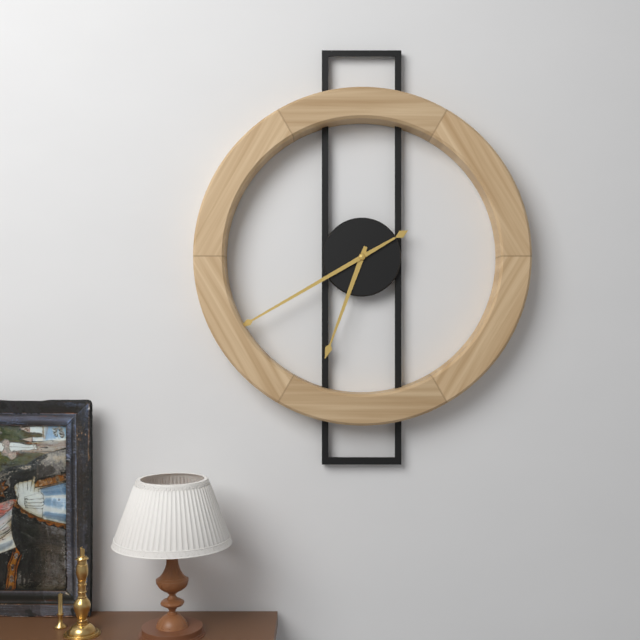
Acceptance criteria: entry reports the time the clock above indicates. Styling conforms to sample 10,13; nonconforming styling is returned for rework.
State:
6,40
